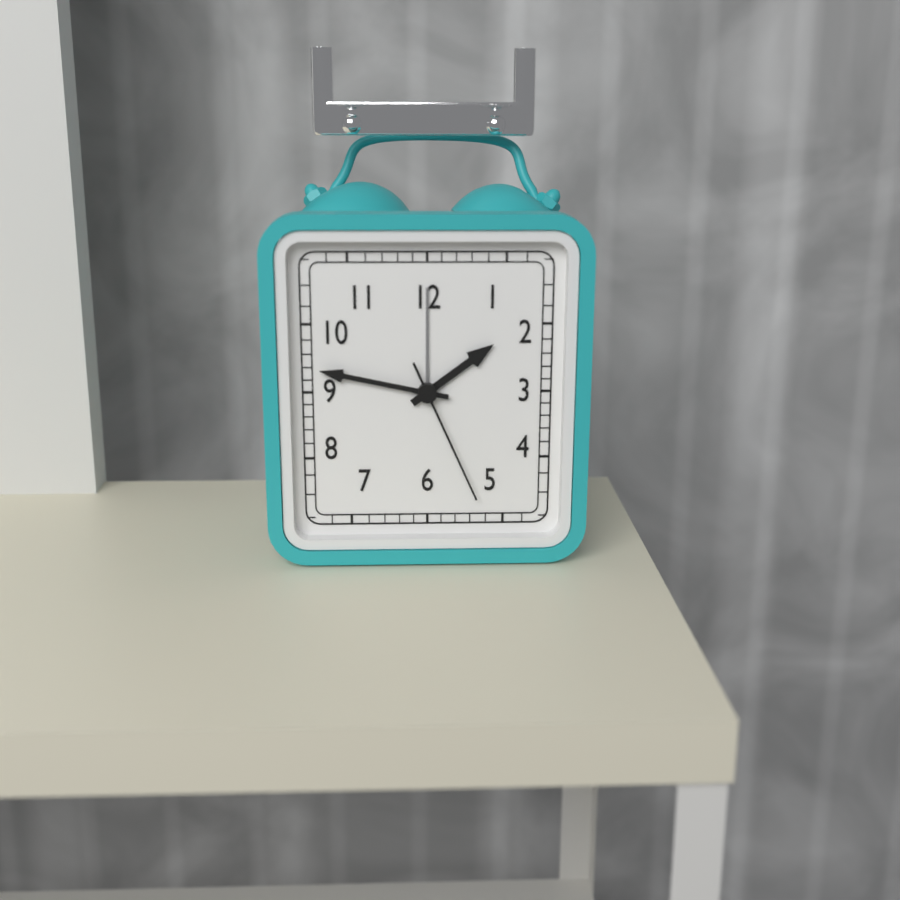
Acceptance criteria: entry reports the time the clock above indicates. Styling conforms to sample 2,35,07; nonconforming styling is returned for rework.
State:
1,47,26
